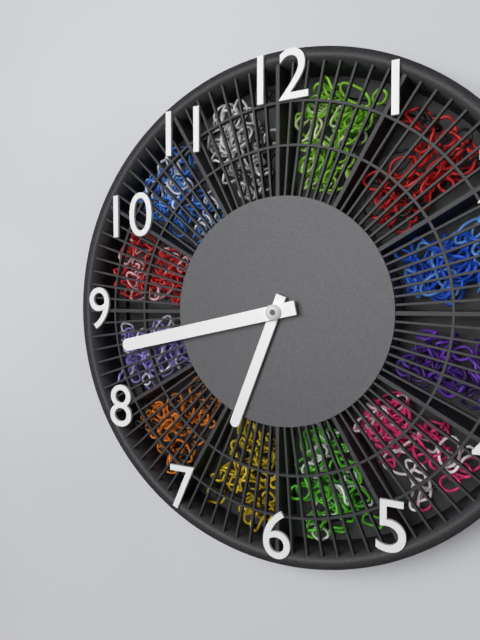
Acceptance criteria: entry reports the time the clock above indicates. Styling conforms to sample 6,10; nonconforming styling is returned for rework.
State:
6,43
